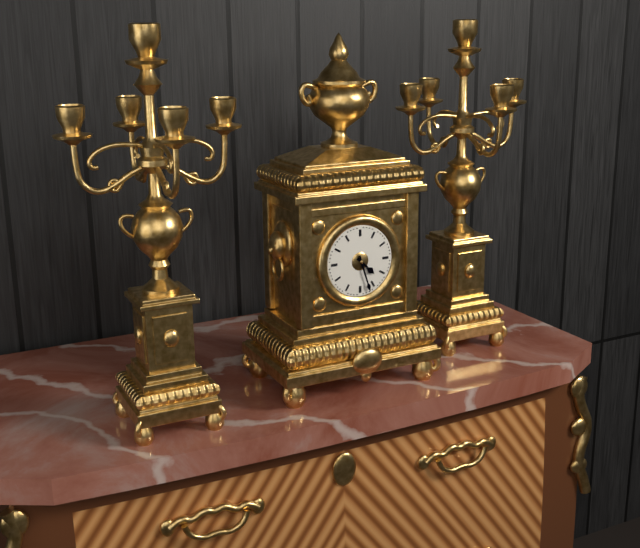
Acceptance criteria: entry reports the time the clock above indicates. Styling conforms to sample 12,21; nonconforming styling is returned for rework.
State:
4,27
